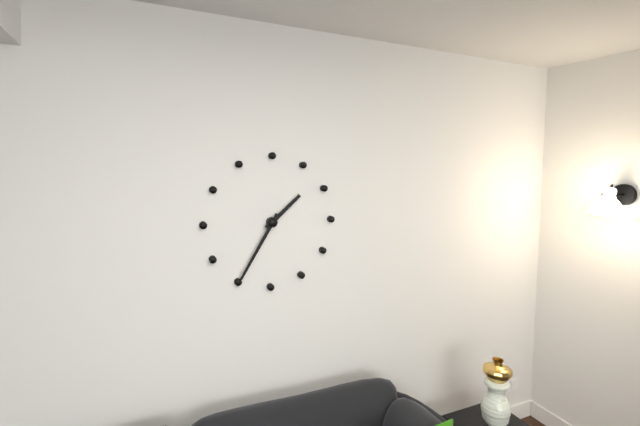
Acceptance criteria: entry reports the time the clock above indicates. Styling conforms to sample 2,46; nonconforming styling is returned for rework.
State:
1,35
